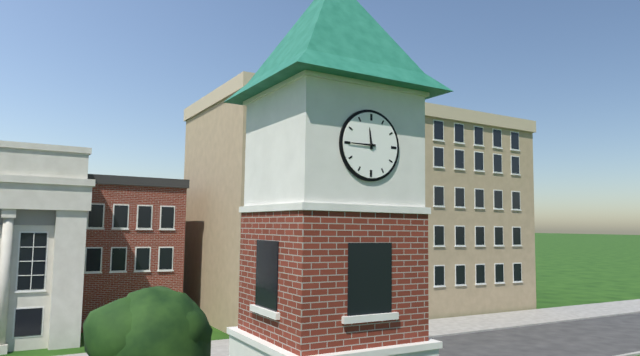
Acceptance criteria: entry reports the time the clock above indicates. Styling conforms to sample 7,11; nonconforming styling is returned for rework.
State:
11,45
